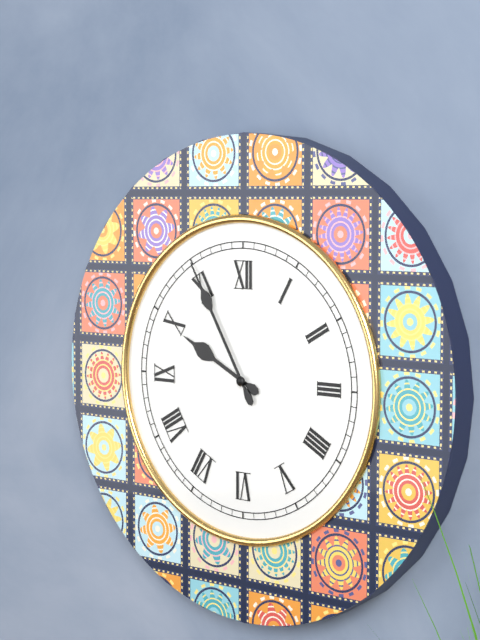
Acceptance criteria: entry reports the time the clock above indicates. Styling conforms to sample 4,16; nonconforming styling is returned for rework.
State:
9,55
